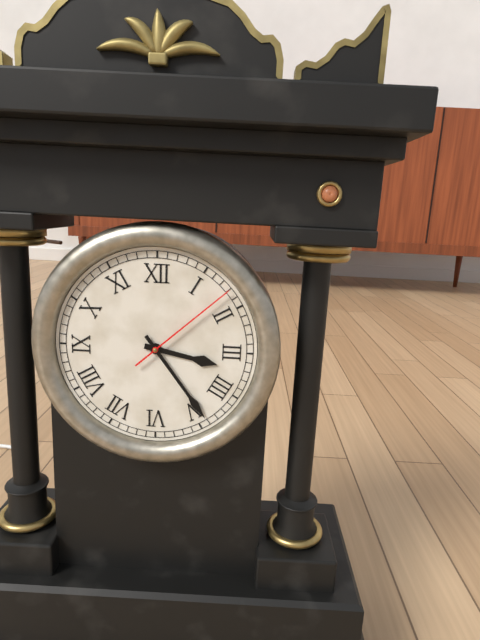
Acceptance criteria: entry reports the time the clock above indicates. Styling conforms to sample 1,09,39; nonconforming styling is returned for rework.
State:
3,24,08
